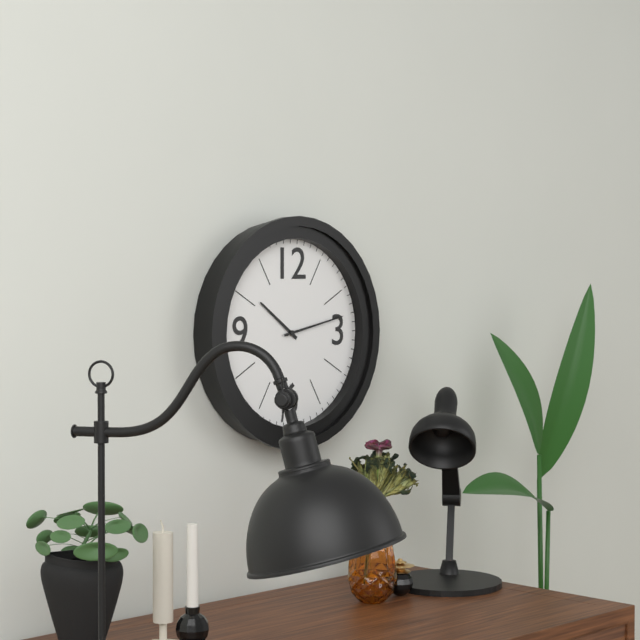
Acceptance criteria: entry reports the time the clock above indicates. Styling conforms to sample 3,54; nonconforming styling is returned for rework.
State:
10,13
